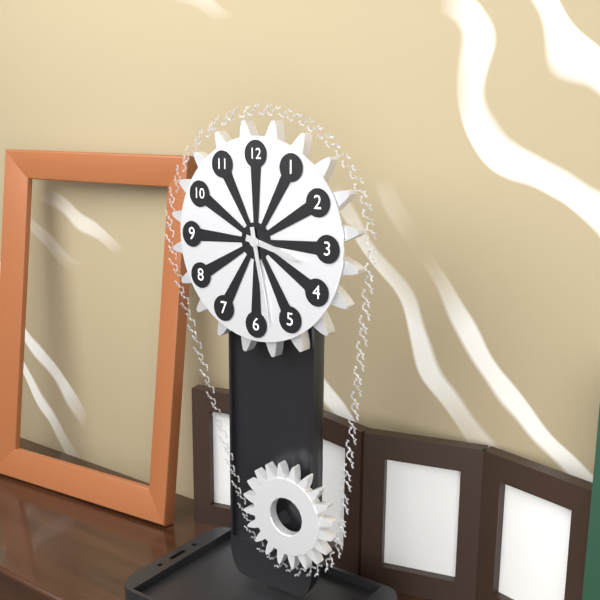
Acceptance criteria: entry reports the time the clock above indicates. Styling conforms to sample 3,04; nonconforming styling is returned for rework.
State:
3,28
